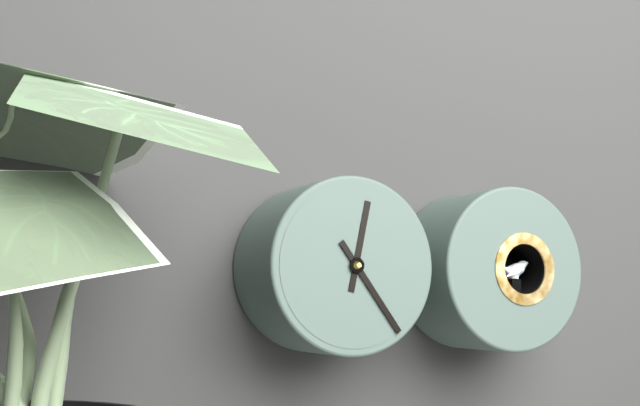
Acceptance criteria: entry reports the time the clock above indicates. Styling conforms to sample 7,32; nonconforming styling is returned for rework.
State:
12,24
